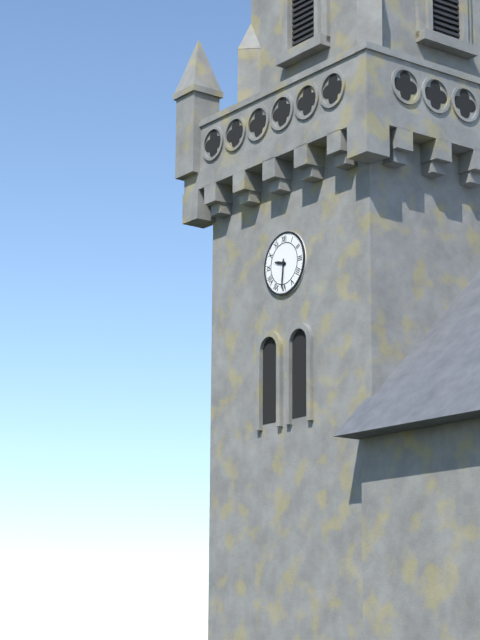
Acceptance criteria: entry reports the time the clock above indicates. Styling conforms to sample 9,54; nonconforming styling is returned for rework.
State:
9,31
